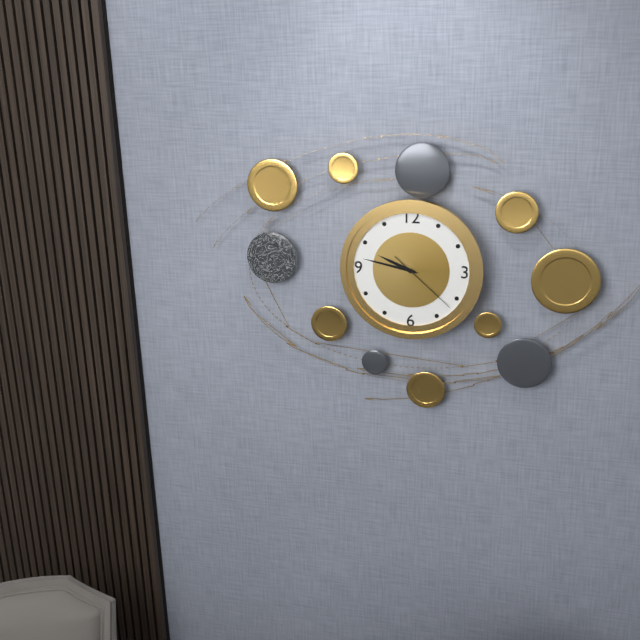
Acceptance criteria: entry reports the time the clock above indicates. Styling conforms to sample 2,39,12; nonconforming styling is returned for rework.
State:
9,47,22
